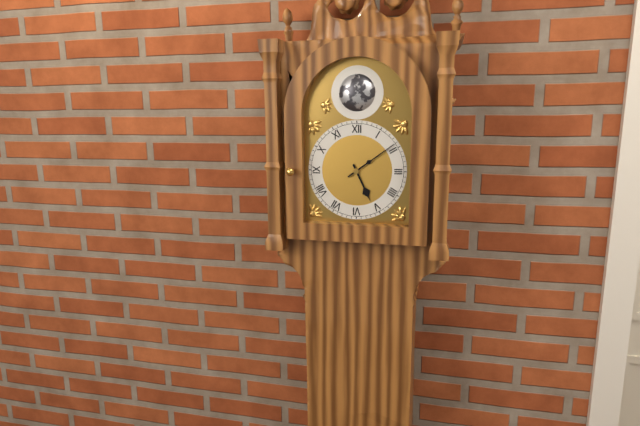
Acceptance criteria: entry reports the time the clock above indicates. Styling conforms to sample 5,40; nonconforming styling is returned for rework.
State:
5,09
